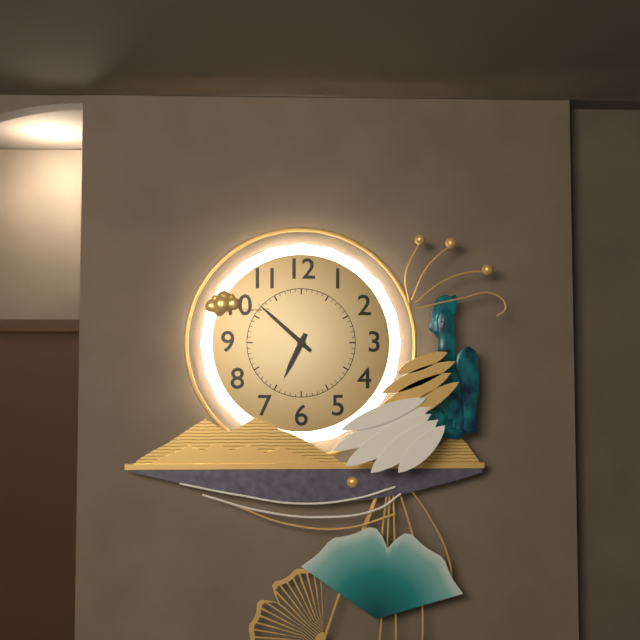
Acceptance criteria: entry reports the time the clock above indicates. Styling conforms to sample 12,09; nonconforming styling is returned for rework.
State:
6,52
